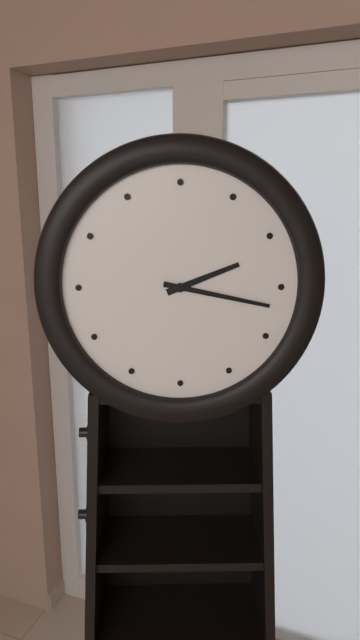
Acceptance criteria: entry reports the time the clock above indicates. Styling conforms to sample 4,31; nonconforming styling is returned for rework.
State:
2,17
